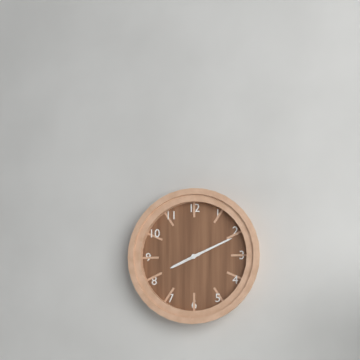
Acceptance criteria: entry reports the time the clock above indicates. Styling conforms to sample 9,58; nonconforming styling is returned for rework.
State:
8,11
